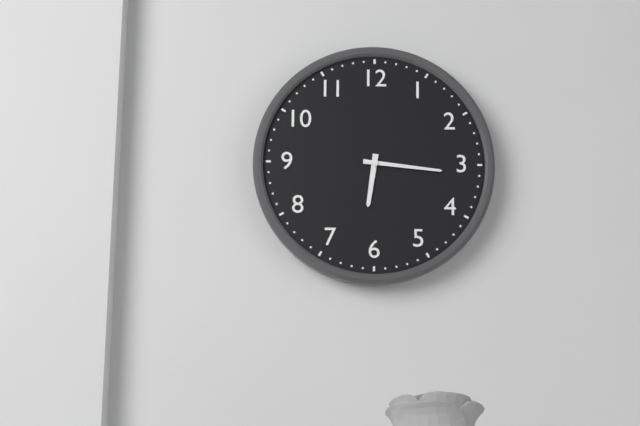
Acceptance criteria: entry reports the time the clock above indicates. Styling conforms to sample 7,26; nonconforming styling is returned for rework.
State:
6,16
